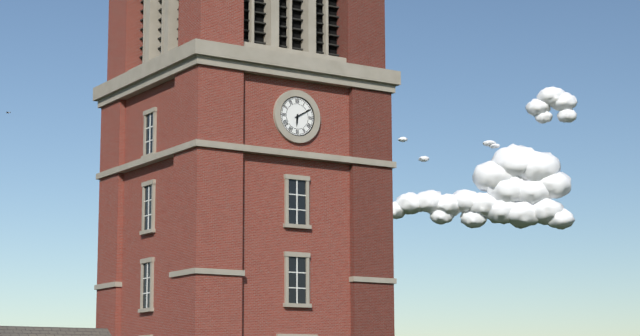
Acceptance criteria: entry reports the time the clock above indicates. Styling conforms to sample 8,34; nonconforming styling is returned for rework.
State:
6,10
